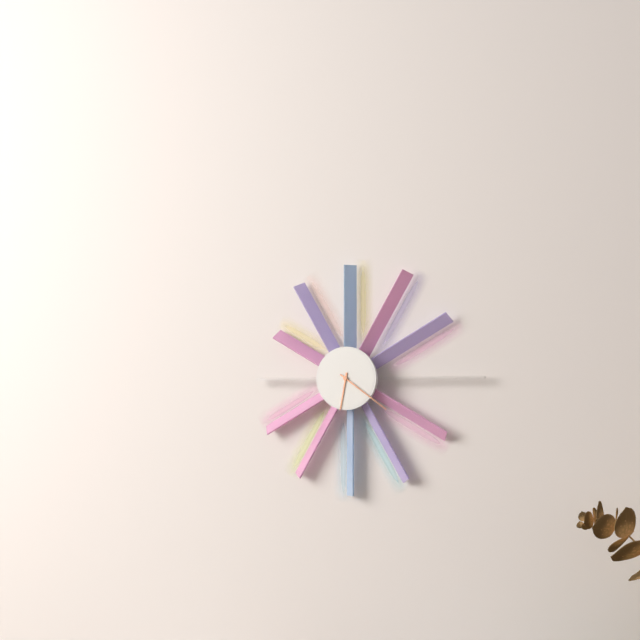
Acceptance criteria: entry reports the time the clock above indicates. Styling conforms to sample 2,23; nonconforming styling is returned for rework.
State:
6,21
